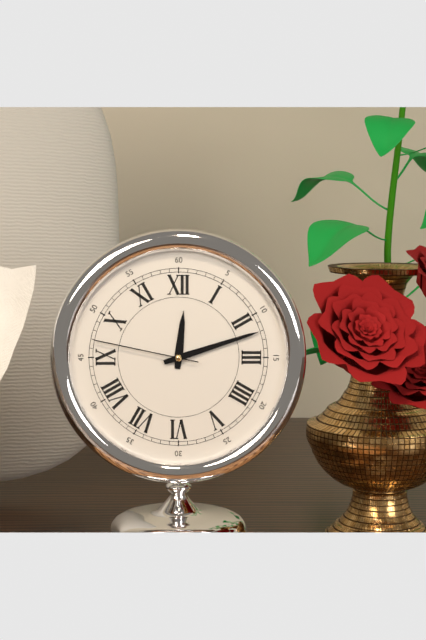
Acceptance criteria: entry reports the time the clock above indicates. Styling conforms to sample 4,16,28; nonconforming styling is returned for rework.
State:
12,12,47
